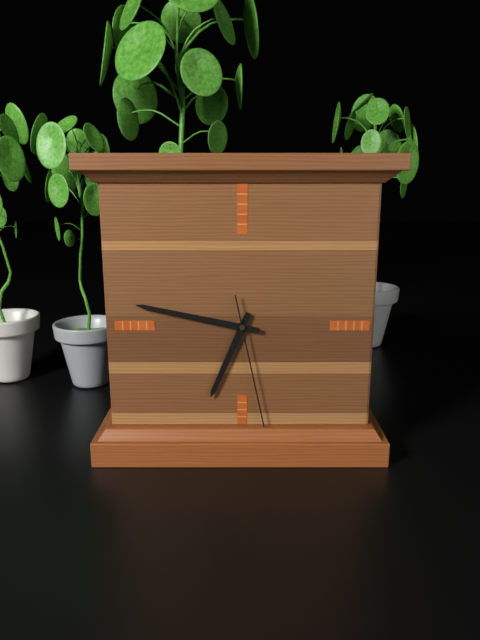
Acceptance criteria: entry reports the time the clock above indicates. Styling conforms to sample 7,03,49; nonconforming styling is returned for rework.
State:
6,47,28
